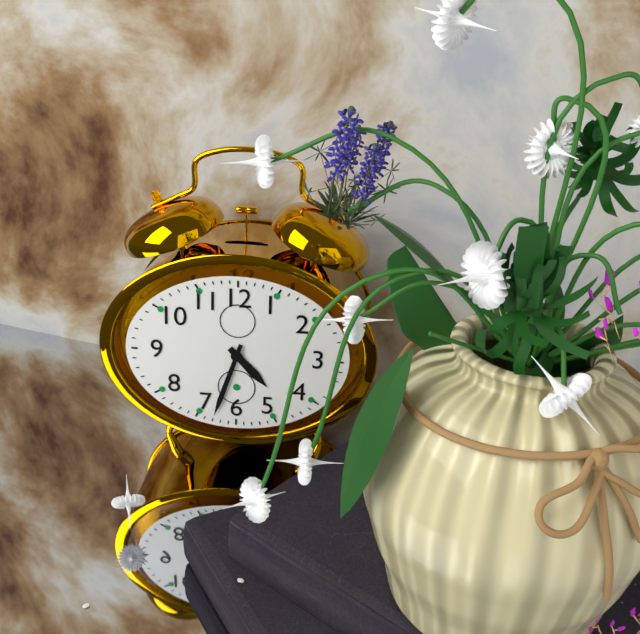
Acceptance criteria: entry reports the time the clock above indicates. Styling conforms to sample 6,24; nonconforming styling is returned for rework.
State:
4,33
